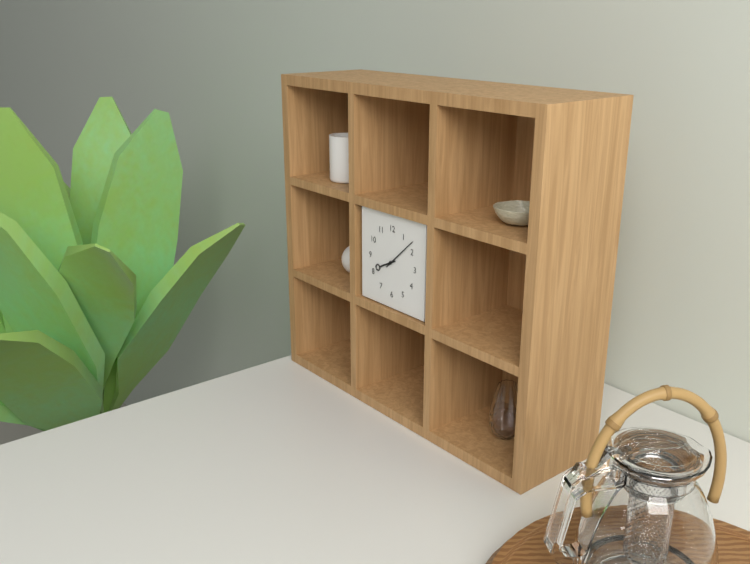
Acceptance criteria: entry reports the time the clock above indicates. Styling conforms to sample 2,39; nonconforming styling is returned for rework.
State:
8,08
